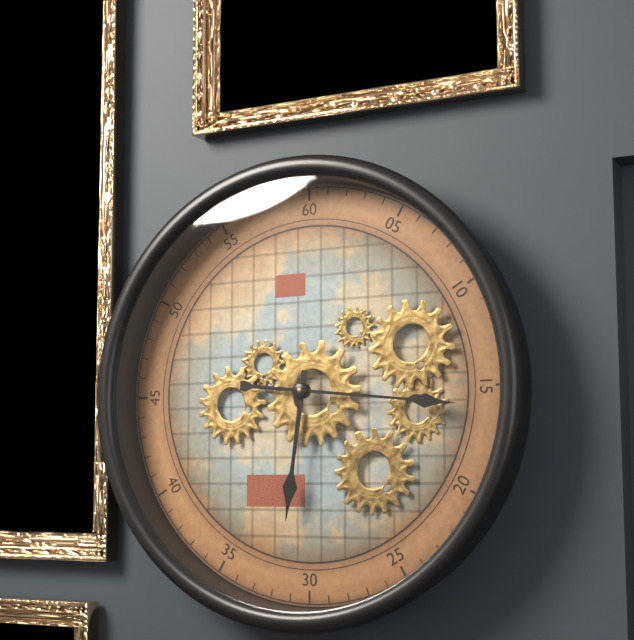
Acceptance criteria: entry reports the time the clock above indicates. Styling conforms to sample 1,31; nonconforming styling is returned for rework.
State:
6,16
